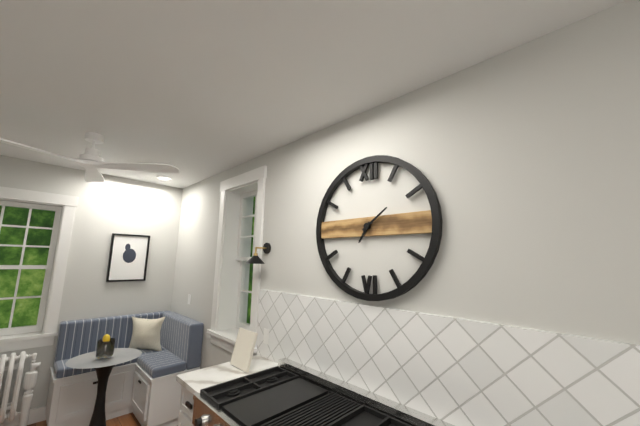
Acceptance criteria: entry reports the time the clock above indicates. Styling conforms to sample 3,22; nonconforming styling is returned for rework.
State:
7,09
